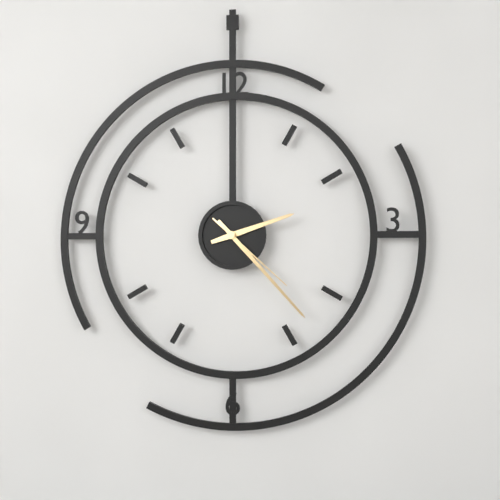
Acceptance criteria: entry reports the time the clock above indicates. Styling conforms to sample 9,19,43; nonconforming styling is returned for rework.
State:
2,23,22
